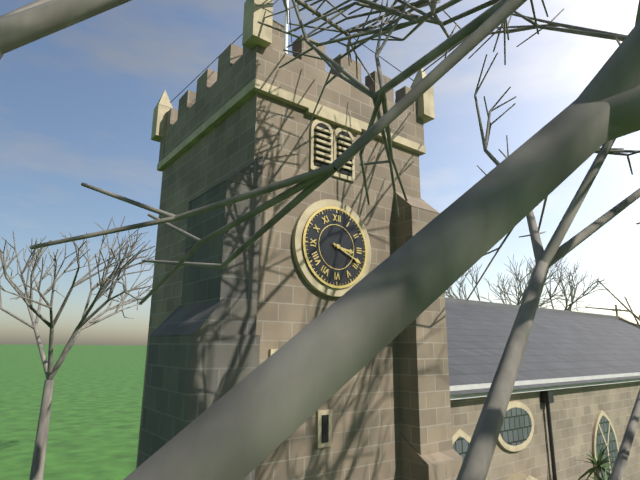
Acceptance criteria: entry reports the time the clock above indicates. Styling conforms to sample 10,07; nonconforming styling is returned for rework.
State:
3,19
